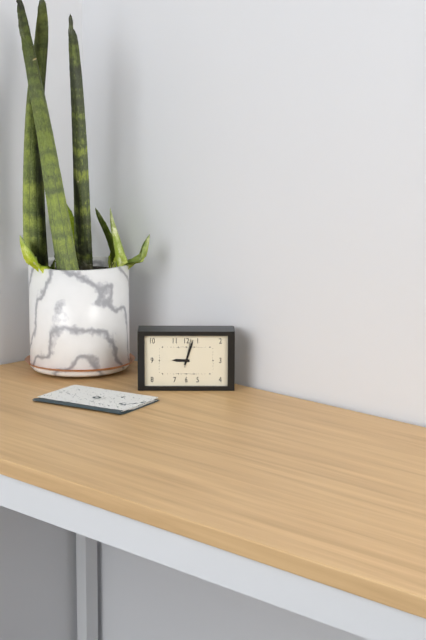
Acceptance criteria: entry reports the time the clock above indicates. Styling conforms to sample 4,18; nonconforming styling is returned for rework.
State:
9,03
